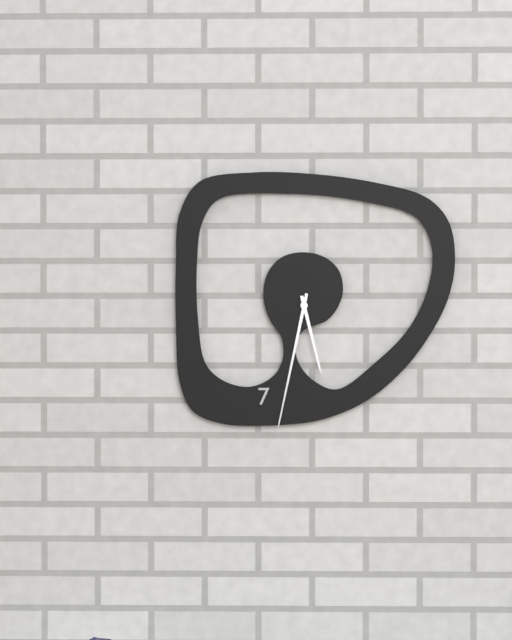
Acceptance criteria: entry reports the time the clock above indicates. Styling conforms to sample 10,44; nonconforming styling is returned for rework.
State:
5,32
